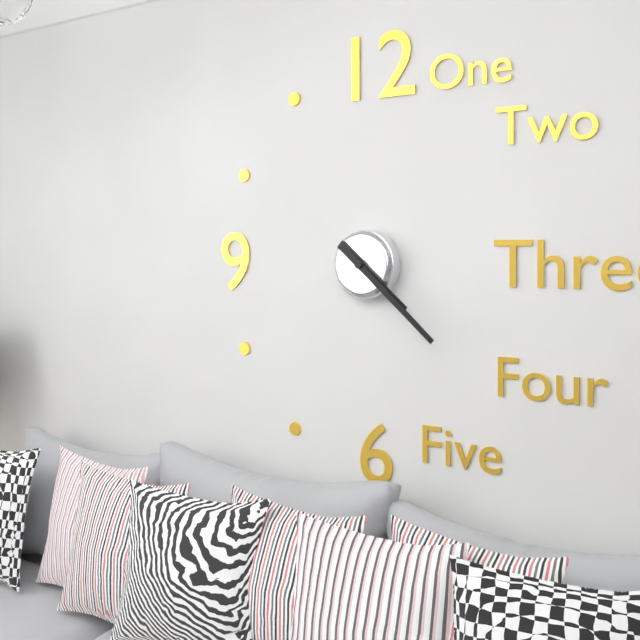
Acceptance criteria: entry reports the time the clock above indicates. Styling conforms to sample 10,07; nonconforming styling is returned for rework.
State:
4,22
